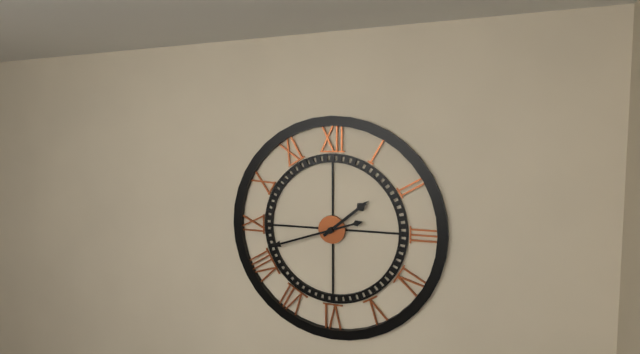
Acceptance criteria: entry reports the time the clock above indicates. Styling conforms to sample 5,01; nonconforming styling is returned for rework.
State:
1,42
